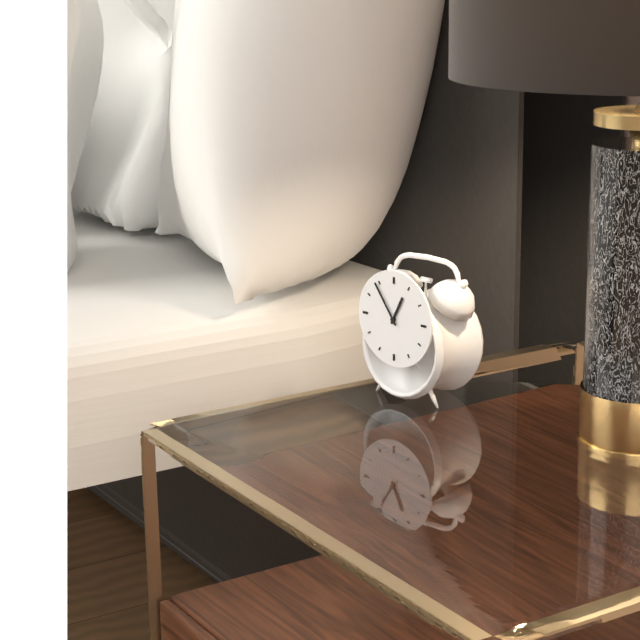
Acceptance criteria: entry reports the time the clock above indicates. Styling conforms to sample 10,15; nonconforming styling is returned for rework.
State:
12,54
